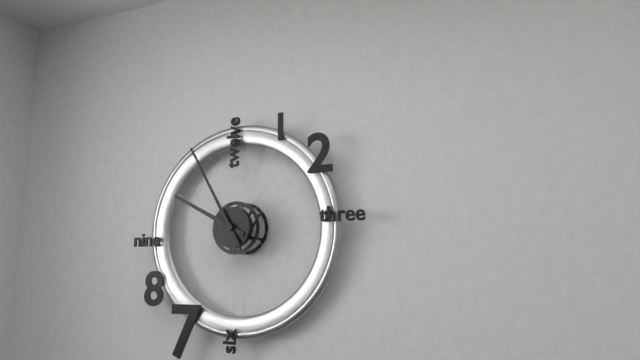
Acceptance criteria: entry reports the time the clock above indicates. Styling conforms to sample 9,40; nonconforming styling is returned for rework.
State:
9,55
